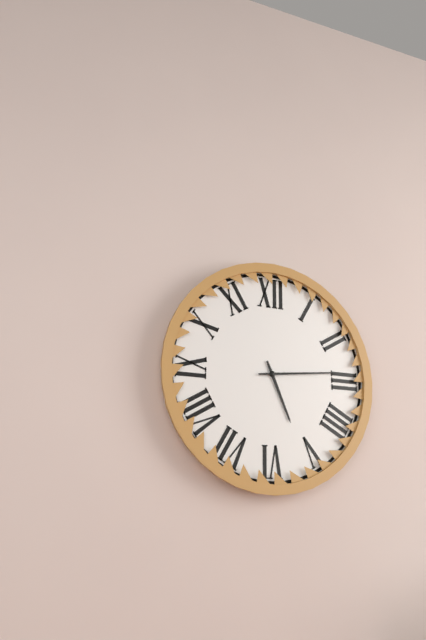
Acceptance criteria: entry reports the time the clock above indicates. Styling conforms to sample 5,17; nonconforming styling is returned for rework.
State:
5,14
